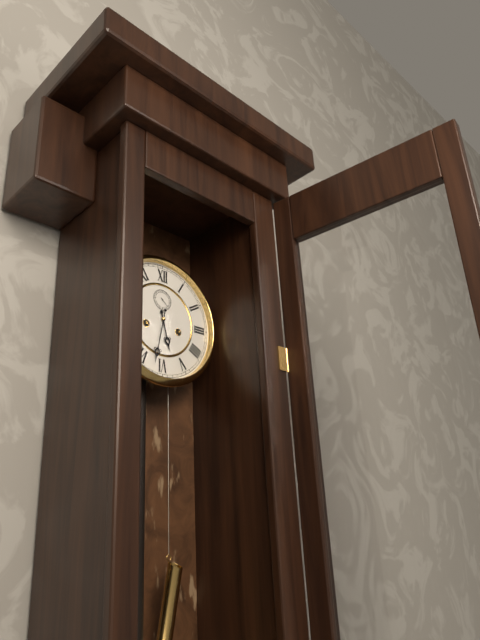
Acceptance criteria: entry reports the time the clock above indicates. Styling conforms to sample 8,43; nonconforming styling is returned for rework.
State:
5,32
